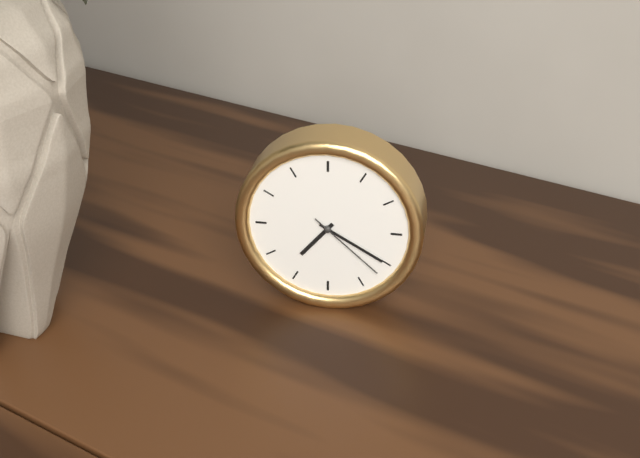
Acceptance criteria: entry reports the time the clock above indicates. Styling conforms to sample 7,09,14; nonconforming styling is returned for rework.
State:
7,20,22
